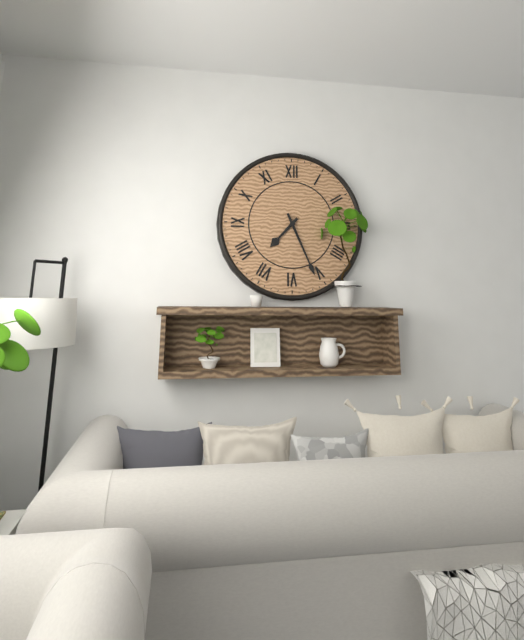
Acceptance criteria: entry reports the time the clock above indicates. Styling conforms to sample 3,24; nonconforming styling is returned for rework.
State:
7,26
